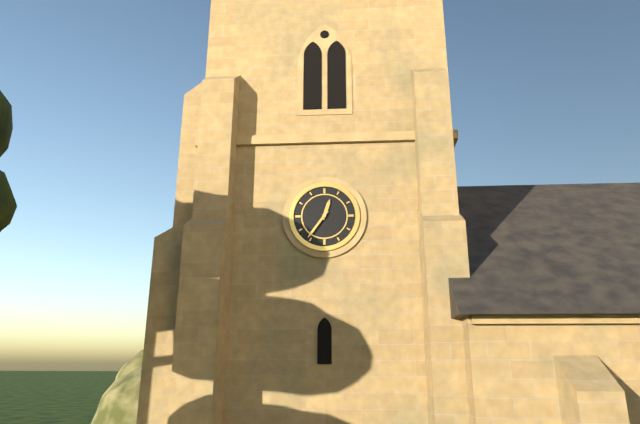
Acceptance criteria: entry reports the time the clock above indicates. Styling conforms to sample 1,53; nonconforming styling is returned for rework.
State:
12,36
